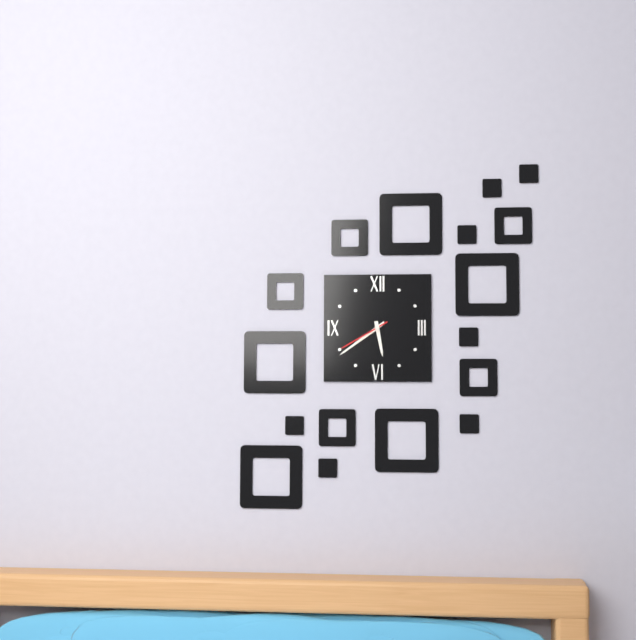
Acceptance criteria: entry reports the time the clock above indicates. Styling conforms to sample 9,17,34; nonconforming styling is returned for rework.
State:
5,39,40
